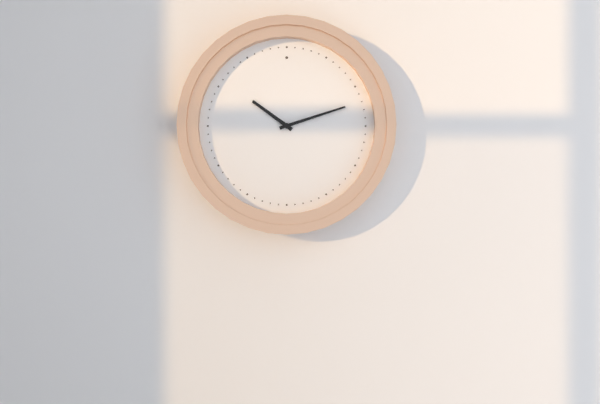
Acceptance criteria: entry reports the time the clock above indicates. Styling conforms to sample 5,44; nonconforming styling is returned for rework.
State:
10,12
